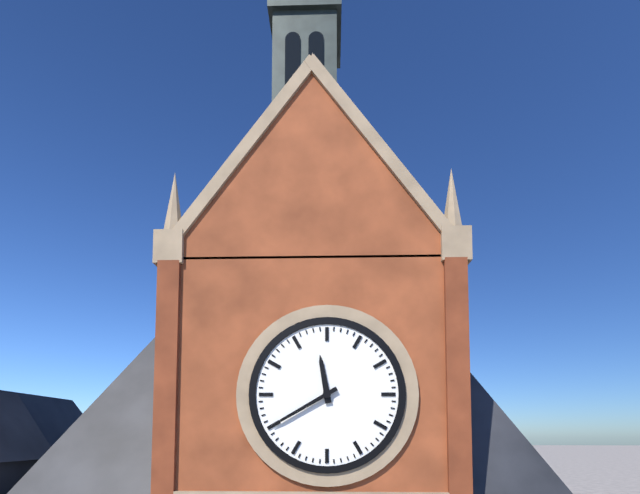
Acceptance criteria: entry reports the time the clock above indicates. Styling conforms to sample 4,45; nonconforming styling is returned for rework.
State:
11,40
